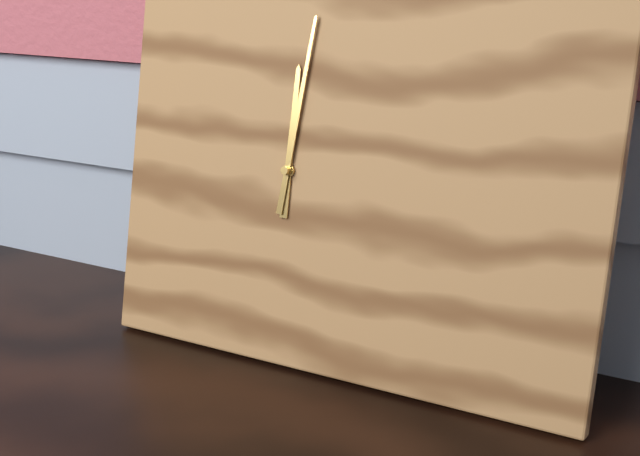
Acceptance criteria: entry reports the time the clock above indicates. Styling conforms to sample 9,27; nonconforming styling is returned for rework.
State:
12,01
